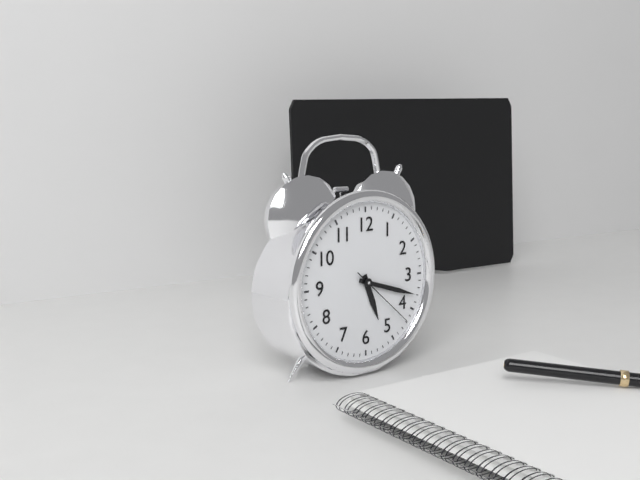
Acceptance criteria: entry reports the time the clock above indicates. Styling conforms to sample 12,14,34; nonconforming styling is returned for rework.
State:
5,18,22
